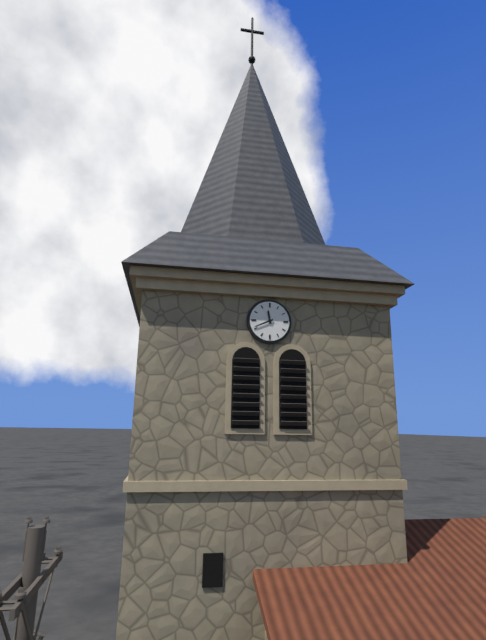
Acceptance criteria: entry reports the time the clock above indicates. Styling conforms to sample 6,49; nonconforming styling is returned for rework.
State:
11,41
